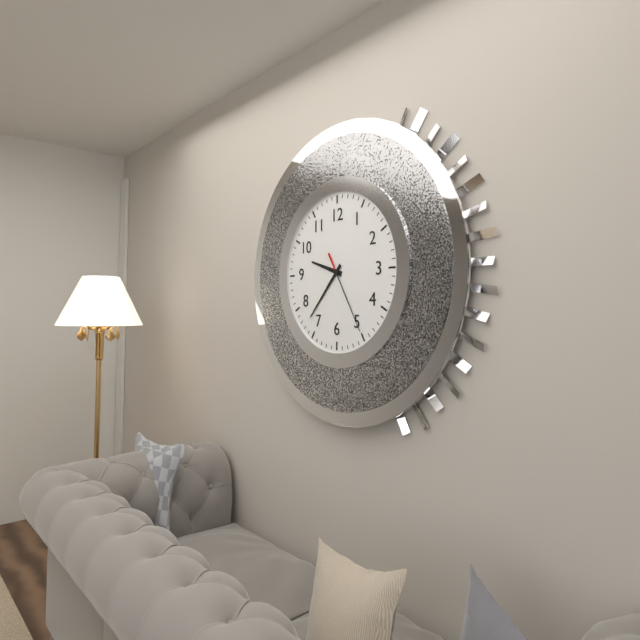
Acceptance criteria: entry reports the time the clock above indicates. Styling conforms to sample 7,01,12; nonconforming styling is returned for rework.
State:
9,37,25
